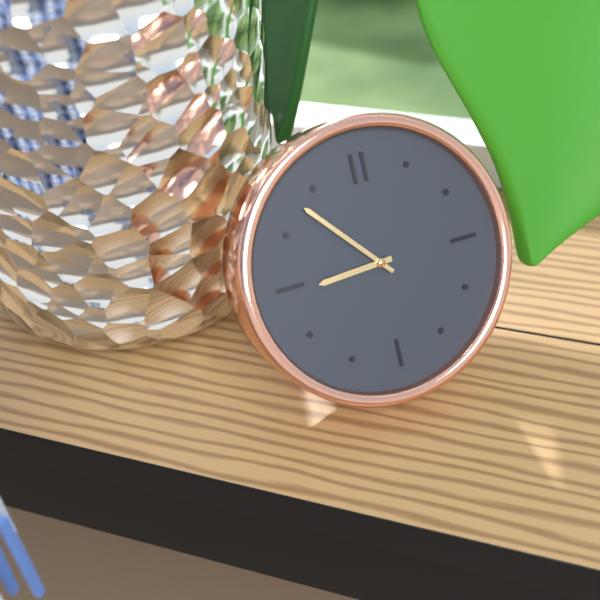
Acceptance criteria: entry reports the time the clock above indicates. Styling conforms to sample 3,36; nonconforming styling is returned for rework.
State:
8,53
